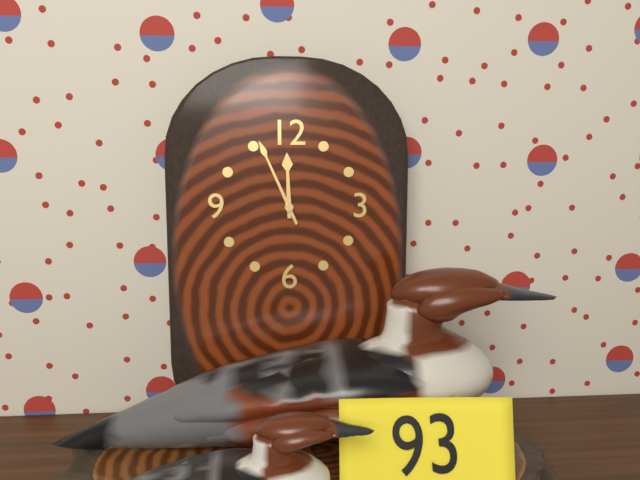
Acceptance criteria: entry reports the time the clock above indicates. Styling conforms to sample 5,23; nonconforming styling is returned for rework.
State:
11,56
